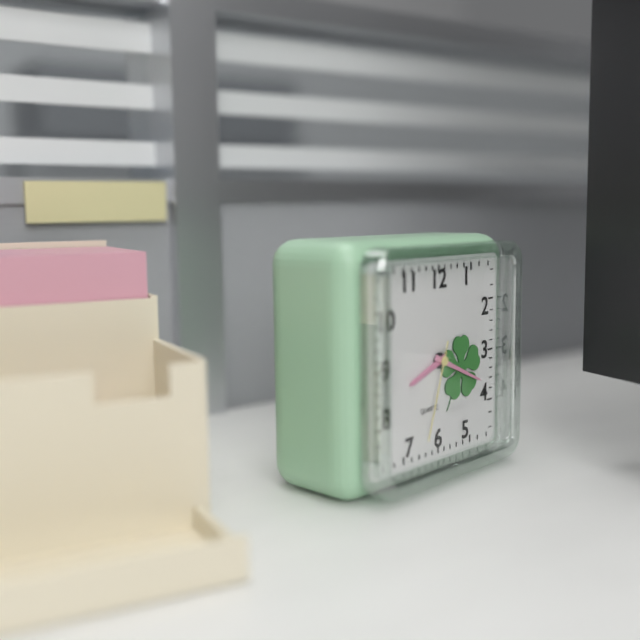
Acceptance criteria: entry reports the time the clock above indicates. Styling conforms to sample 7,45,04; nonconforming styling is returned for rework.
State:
8,19,33
